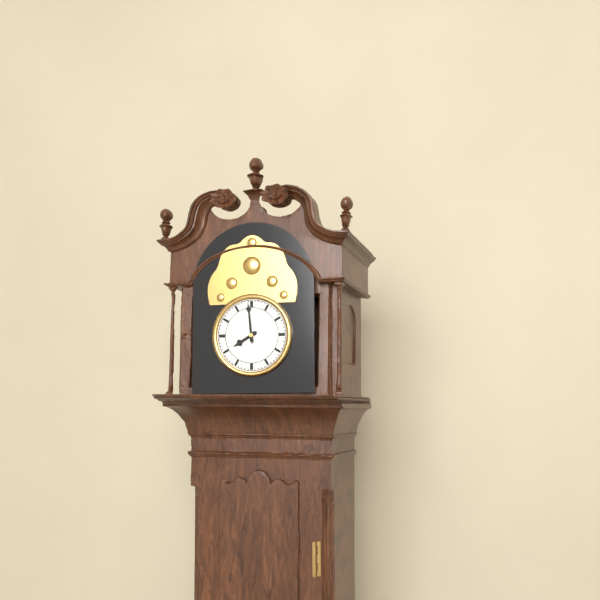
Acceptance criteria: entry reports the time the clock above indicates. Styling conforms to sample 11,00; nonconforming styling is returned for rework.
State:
7,59
